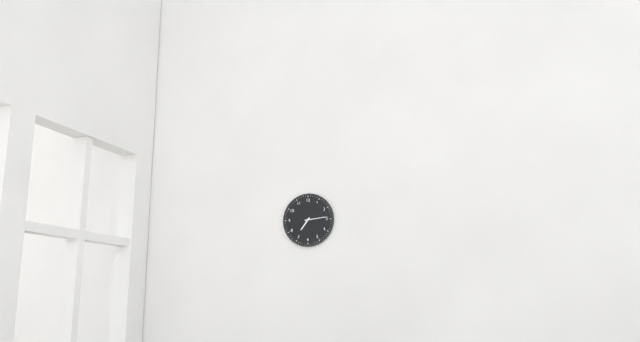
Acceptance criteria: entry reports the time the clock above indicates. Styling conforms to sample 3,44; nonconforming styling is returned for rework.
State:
7,14
